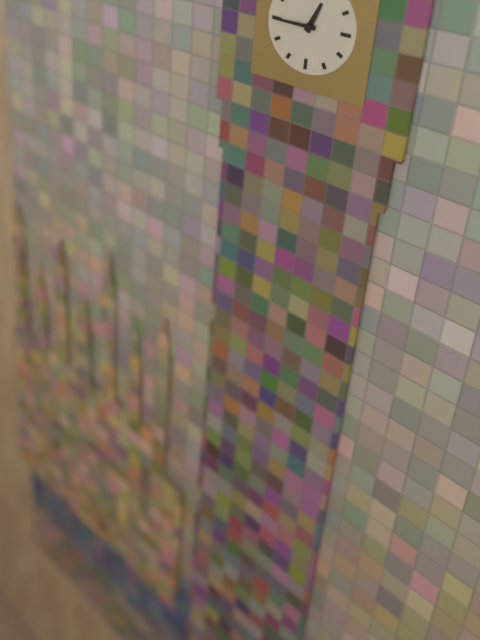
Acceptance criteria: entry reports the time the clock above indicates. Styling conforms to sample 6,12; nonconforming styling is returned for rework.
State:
12,45
